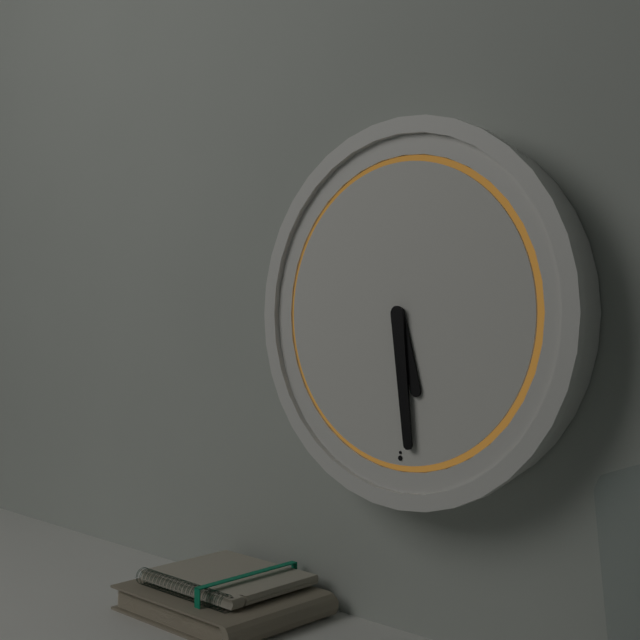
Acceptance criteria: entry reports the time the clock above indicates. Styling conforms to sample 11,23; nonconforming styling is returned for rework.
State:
5,29
